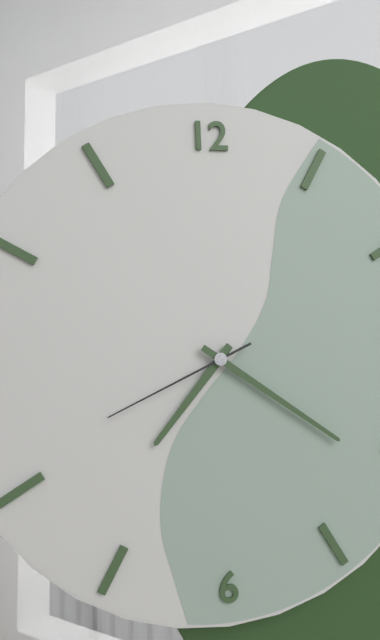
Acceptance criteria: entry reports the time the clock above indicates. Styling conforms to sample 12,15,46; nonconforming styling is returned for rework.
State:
7,21,41
